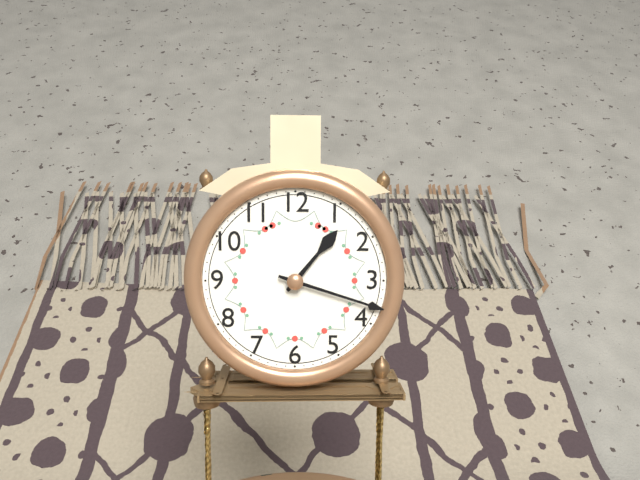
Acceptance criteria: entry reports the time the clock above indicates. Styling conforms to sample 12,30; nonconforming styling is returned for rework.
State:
1,18
